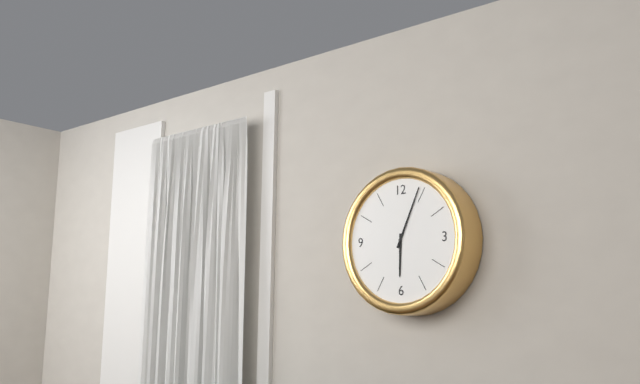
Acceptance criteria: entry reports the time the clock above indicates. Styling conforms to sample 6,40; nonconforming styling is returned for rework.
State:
6,04
